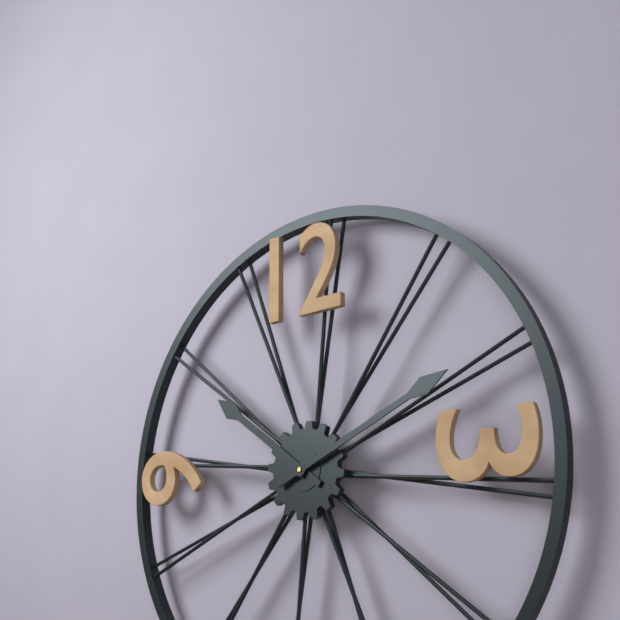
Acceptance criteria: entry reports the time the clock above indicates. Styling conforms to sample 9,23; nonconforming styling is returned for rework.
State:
10,11
